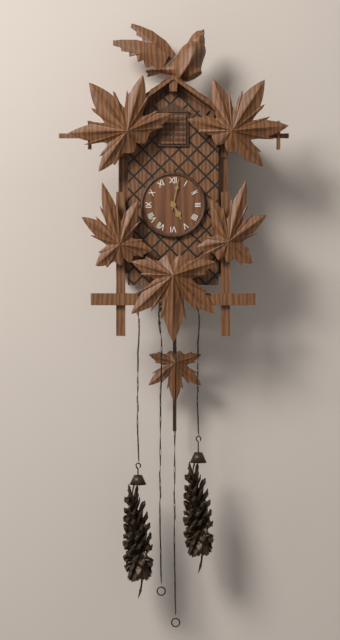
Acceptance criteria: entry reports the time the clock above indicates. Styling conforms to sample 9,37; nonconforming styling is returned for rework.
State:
5,02
